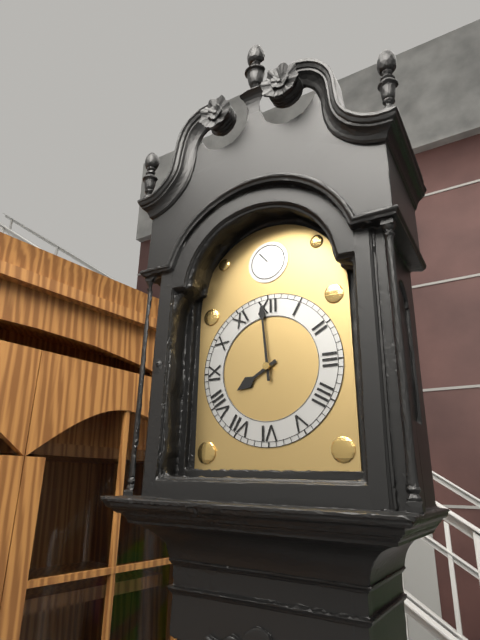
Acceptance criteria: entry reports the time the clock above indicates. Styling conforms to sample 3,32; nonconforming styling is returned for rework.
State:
7,59
